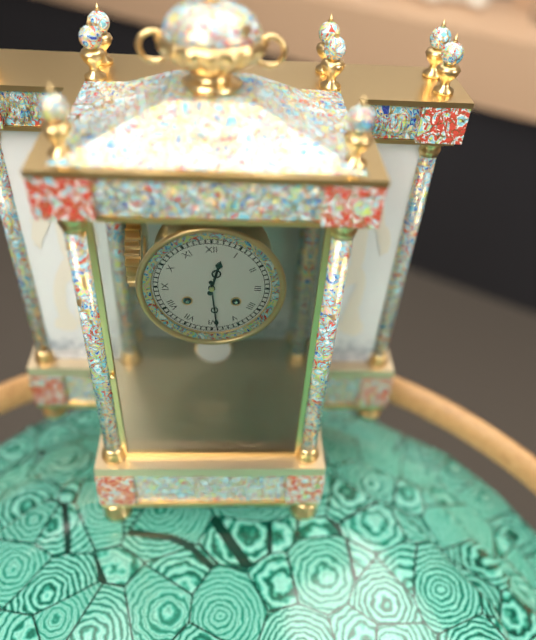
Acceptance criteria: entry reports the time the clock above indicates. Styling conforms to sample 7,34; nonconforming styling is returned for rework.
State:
12,29
